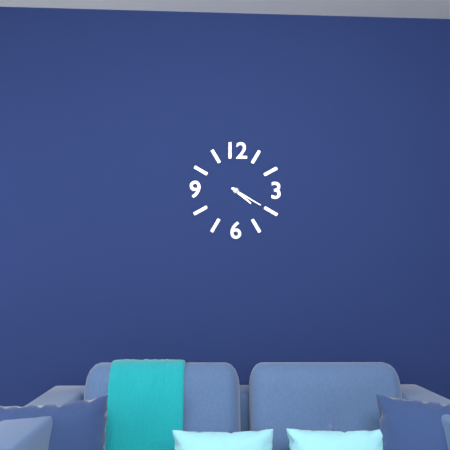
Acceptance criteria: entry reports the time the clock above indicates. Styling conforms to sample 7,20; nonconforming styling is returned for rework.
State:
4,20
